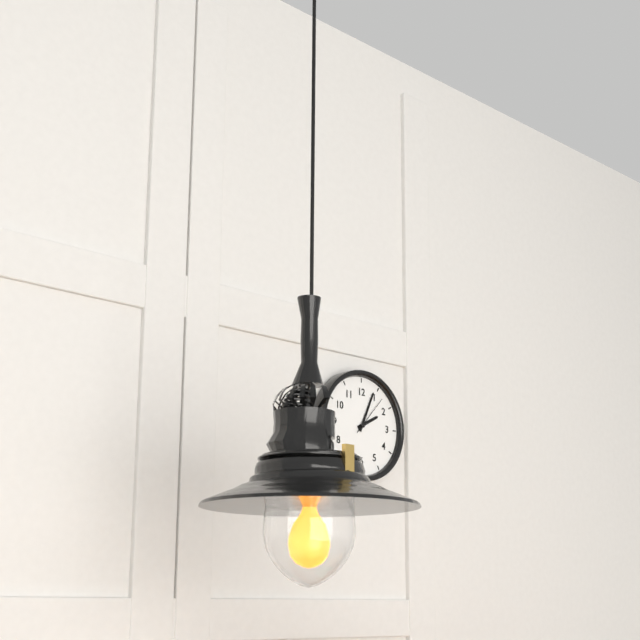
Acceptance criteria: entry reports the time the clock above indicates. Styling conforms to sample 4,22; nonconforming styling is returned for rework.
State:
2,04
